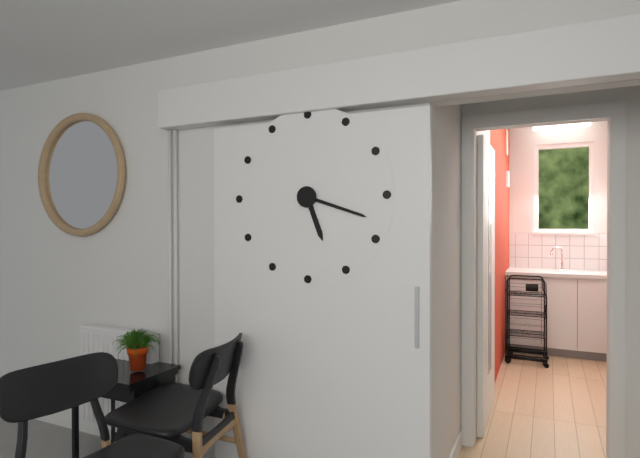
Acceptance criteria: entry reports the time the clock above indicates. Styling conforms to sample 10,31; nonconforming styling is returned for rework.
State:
5,18
